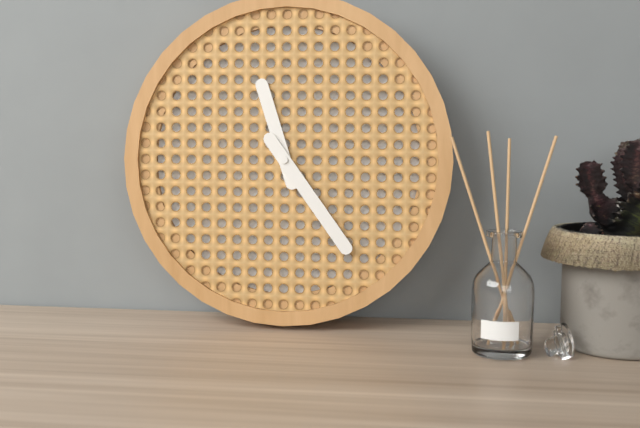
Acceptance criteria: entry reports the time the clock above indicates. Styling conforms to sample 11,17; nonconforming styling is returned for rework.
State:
11,24
